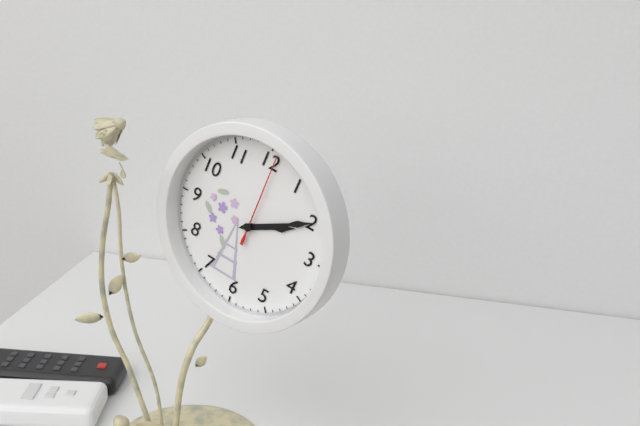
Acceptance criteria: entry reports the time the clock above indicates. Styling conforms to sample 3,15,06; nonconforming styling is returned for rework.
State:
2,10,01
